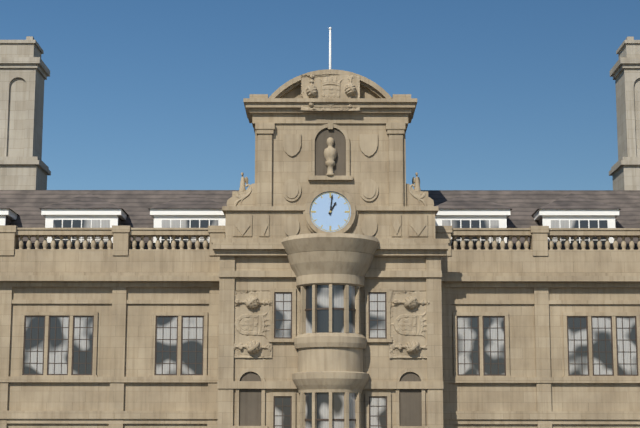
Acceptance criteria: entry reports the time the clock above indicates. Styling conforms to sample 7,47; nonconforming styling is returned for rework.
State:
1,01
